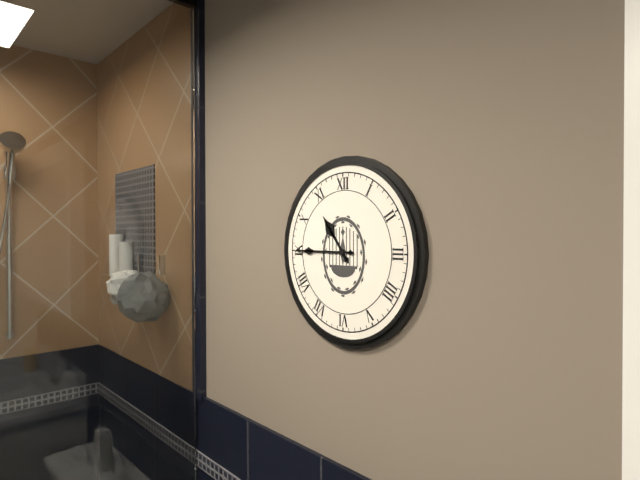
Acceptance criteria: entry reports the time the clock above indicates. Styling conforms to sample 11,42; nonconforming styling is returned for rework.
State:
10,45
